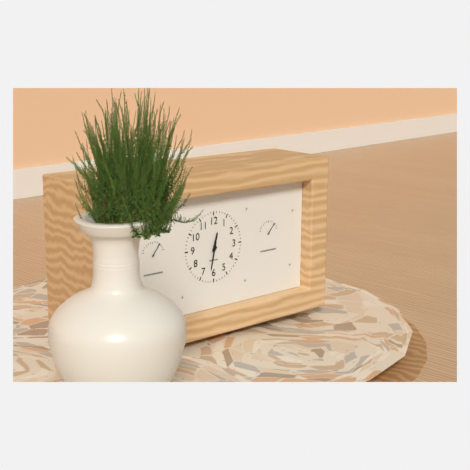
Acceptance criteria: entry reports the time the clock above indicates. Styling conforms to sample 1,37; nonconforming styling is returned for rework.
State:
12,32
